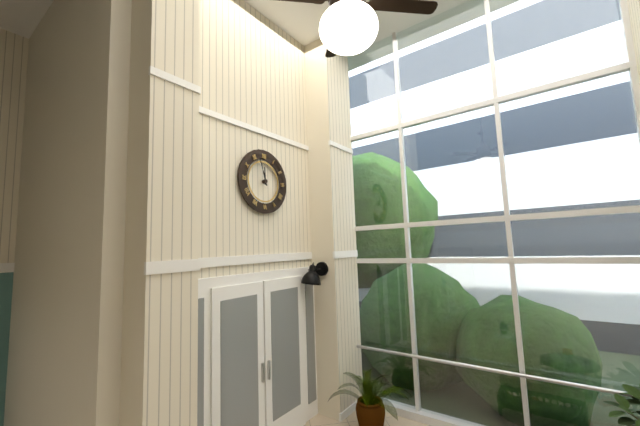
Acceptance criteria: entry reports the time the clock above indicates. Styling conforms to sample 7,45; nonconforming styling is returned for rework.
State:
11,57
